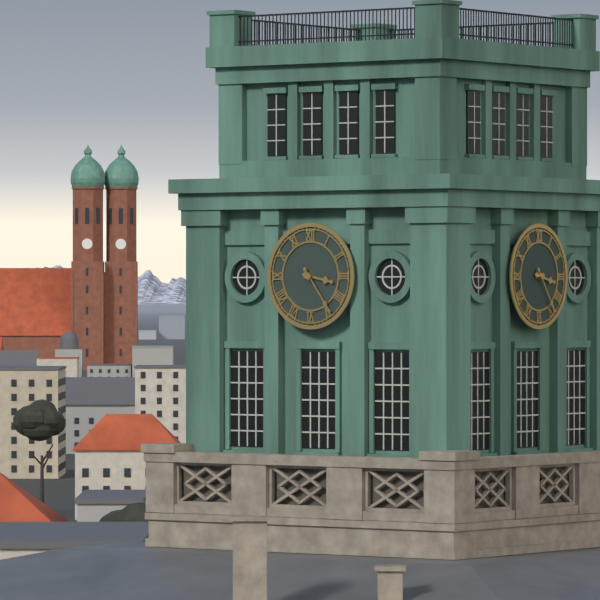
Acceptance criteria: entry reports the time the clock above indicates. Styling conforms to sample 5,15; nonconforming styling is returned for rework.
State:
3,24
